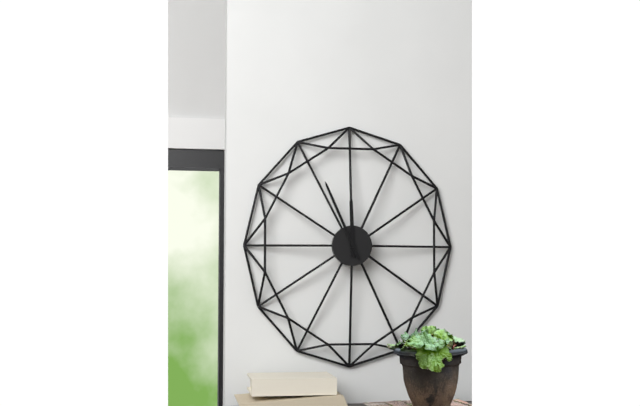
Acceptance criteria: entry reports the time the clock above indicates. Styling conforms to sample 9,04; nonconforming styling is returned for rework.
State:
11,56
